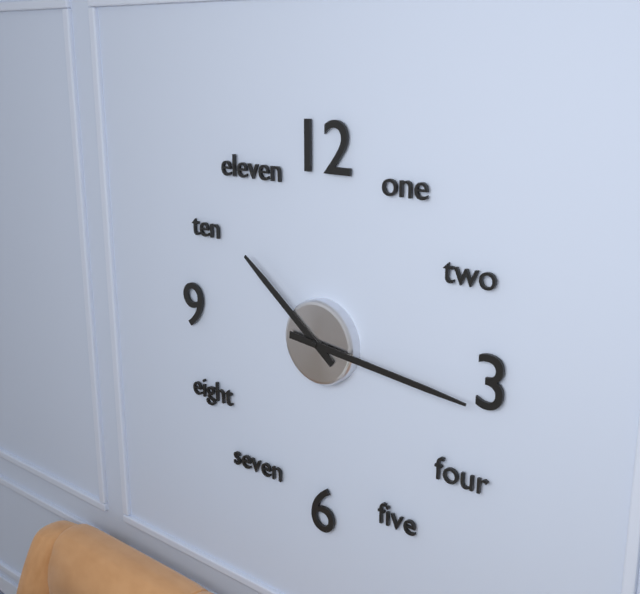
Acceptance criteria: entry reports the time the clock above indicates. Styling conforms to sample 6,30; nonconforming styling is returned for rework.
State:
10,16
